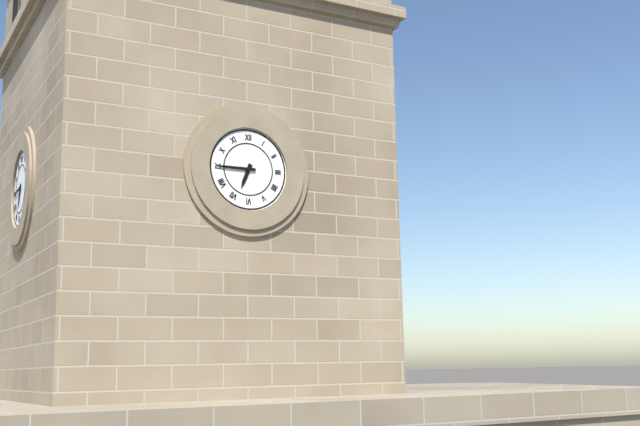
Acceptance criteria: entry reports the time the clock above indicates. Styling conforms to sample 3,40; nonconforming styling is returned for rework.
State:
6,45
